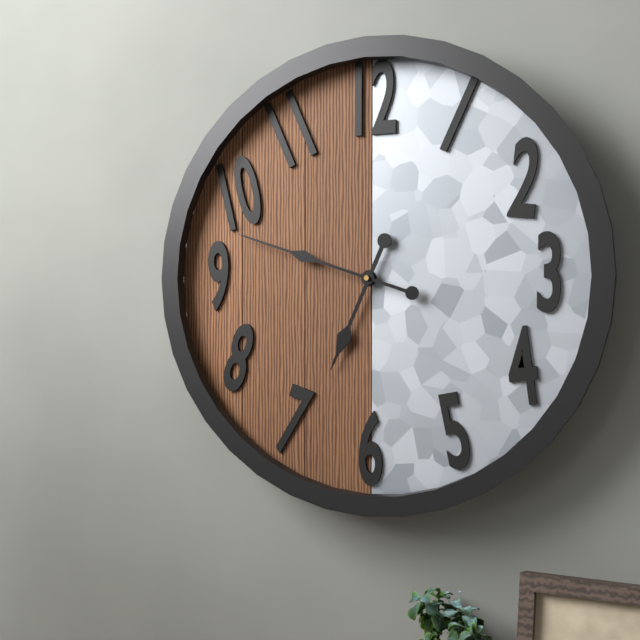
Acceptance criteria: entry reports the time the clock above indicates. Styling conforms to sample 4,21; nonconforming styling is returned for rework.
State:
6,48
